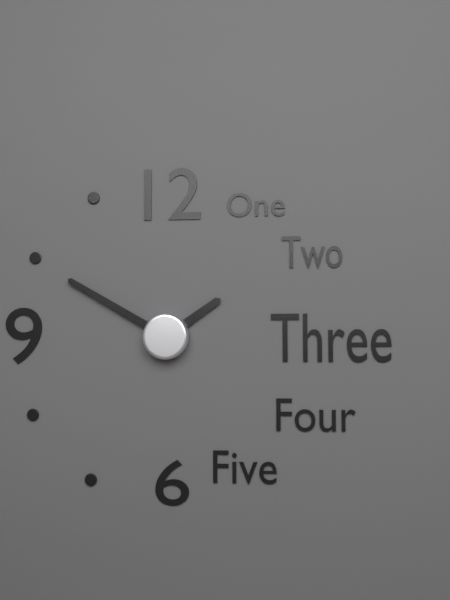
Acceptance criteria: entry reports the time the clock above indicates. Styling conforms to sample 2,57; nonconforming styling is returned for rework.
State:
1,50
